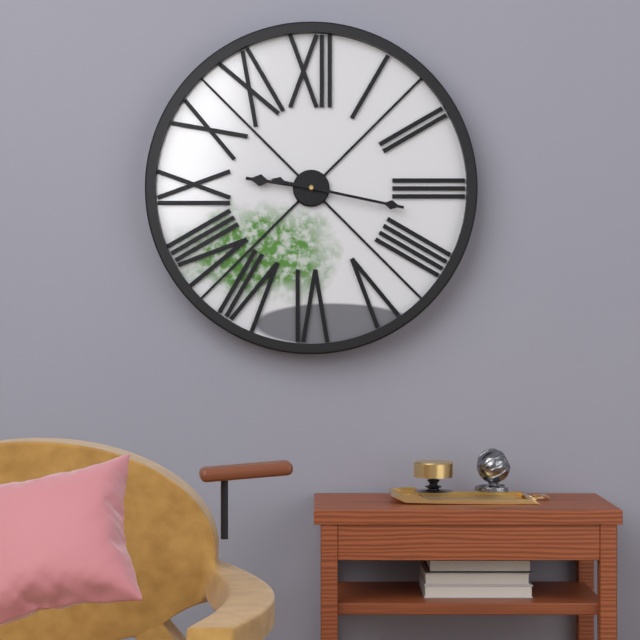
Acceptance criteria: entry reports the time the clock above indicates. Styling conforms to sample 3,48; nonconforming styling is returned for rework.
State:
9,17
